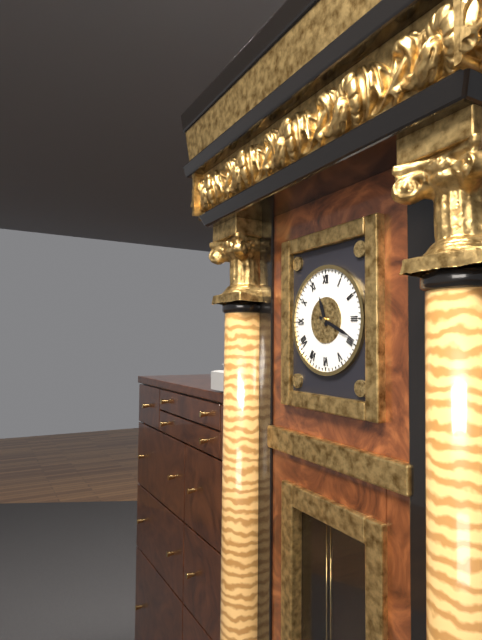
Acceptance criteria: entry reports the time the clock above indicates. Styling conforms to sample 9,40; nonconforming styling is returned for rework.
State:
11,19
